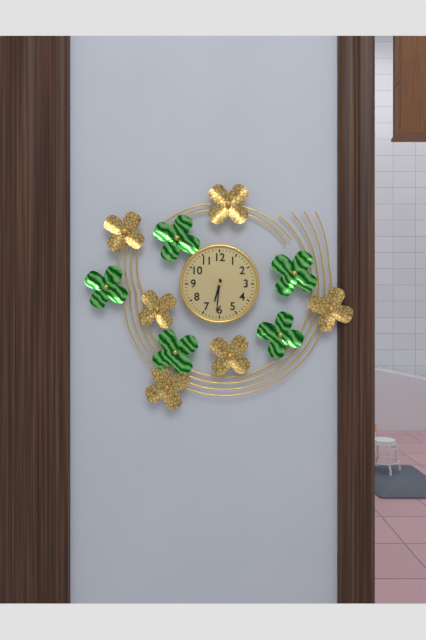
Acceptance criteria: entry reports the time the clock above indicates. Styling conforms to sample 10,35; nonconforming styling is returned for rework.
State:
6,31
